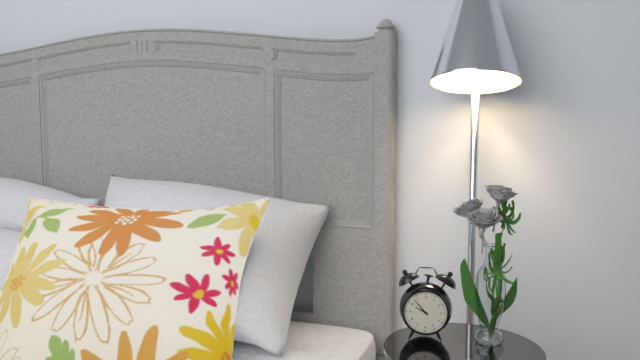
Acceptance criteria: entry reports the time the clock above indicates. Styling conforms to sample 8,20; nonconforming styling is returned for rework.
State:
9,53
